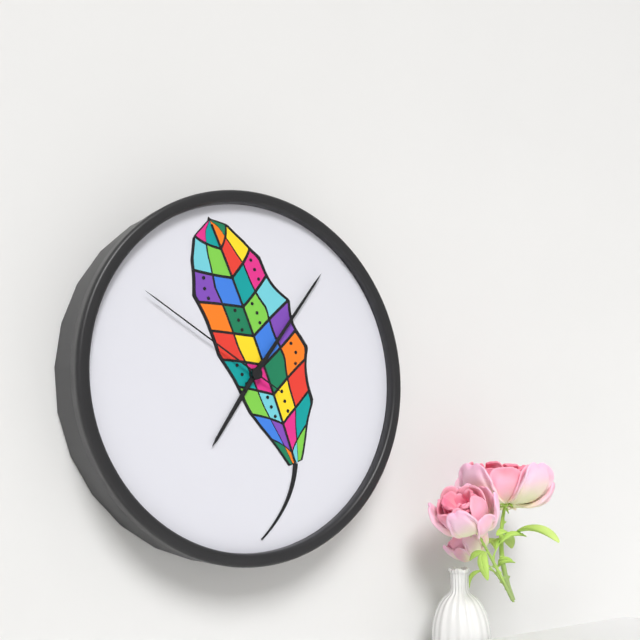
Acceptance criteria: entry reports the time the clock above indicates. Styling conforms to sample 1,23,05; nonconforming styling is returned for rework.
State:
7,06,50
